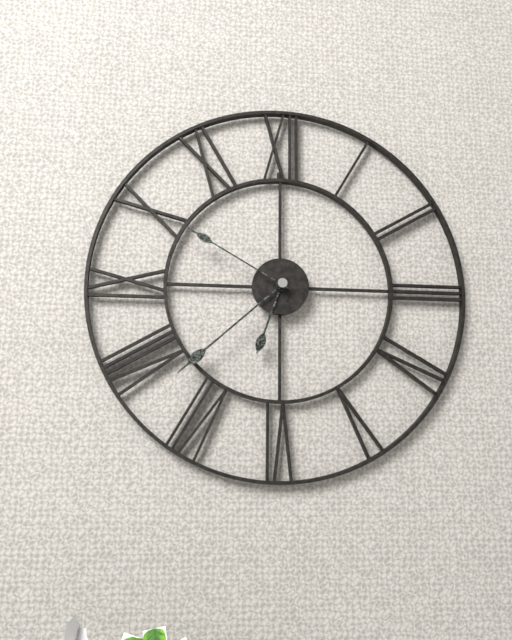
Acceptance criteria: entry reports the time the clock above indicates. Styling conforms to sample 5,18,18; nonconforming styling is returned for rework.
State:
6,38,50
